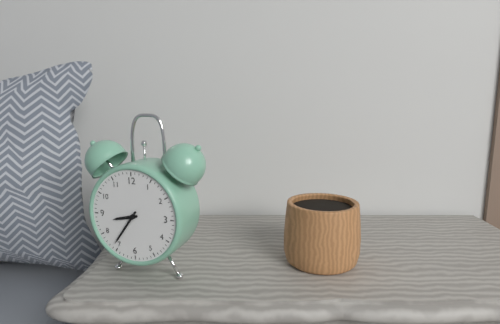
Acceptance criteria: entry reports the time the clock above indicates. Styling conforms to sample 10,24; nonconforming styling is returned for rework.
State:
8,36
